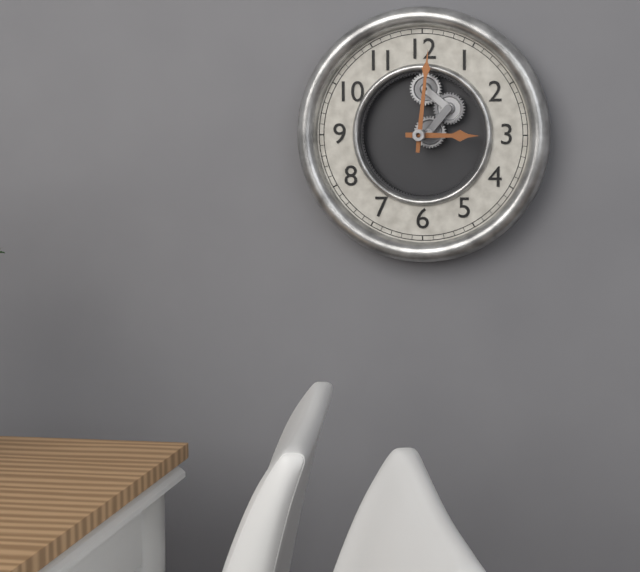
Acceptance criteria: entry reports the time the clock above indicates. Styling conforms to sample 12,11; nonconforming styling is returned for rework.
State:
3,01
